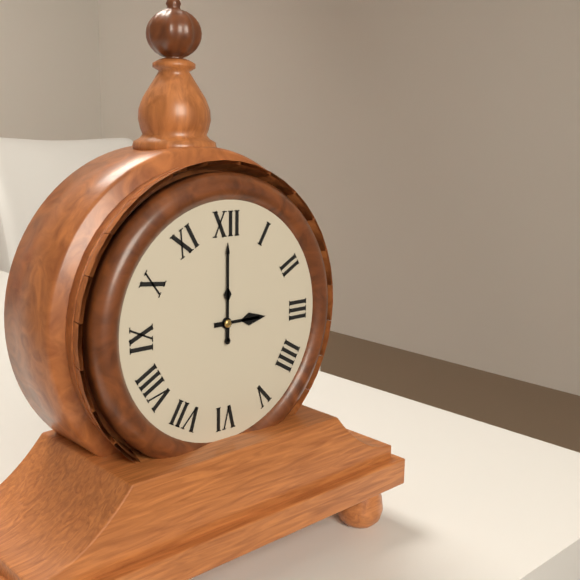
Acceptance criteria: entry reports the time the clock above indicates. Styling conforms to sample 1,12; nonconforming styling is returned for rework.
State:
3,00
